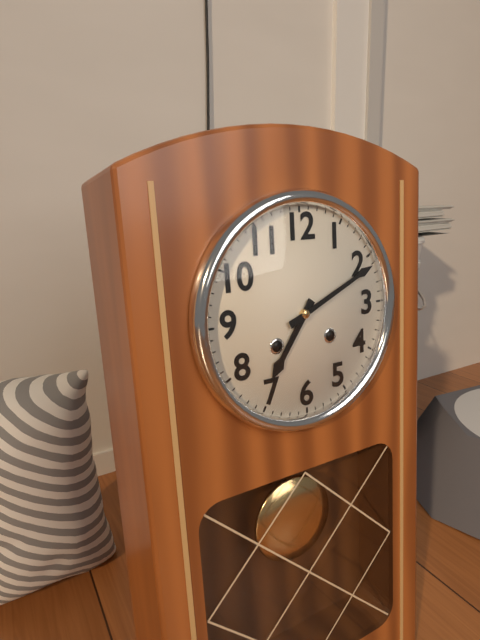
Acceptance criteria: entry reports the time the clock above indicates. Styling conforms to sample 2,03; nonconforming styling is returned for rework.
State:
7,11
